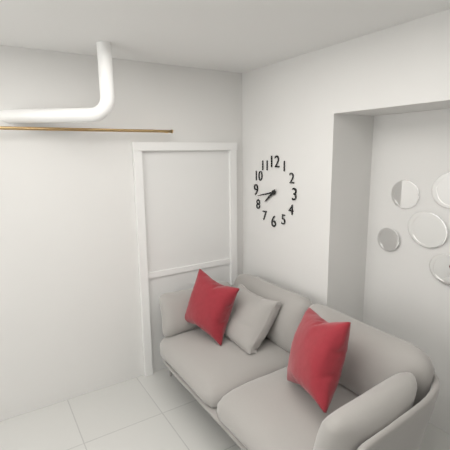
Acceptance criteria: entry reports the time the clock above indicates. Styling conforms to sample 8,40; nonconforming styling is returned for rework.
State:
7,43
